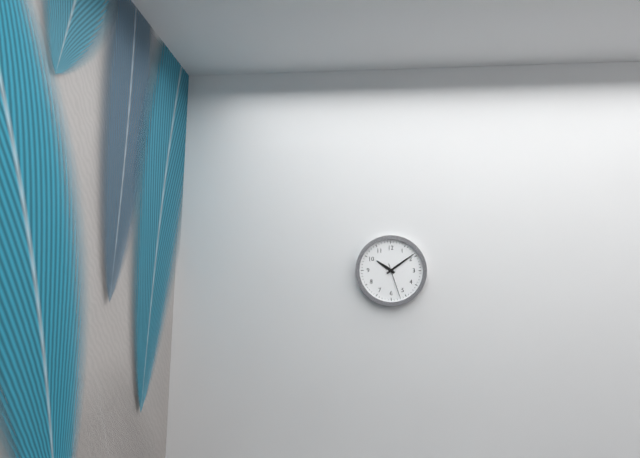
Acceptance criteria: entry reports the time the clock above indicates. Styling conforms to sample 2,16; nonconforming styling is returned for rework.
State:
10,09
